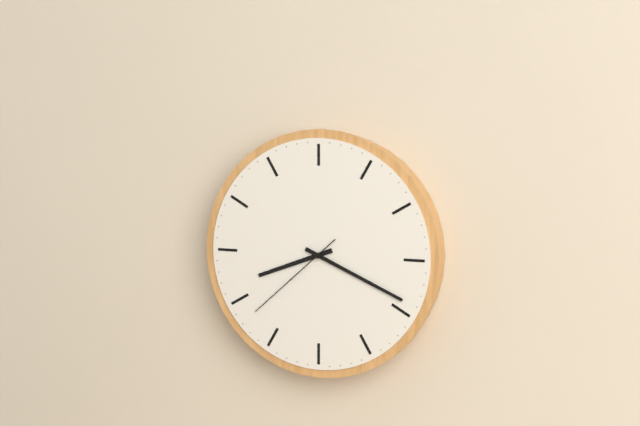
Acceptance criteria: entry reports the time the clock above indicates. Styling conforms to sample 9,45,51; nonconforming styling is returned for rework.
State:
8,19,38
